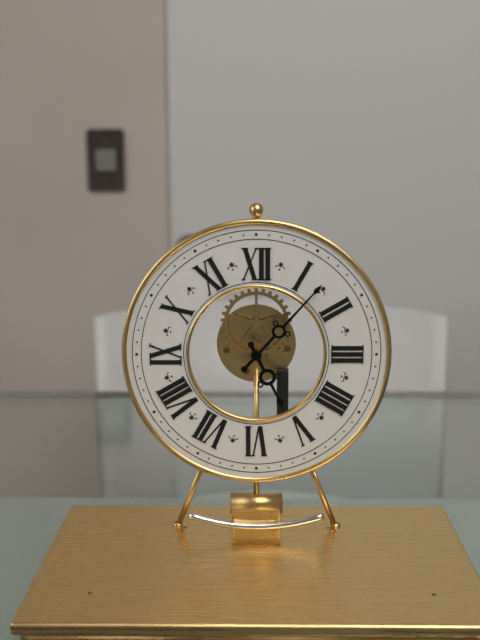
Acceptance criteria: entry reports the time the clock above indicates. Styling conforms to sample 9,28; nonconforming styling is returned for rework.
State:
5,07
